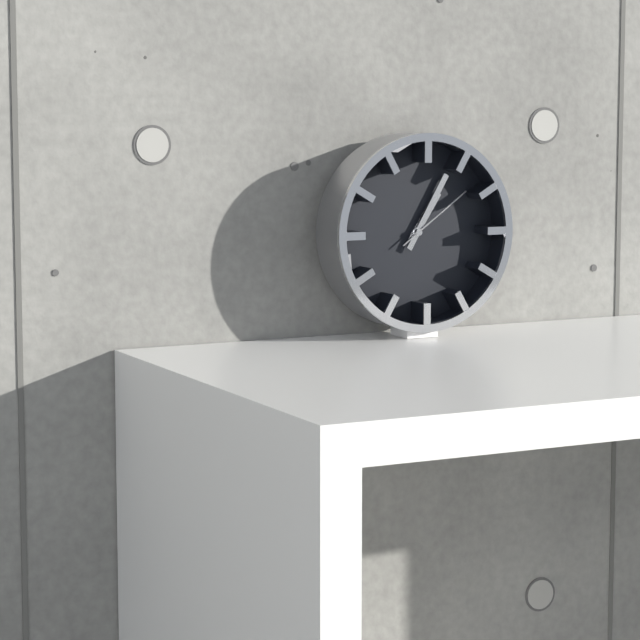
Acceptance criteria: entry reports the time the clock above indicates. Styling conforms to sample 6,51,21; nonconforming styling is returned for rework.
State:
1,05,09
